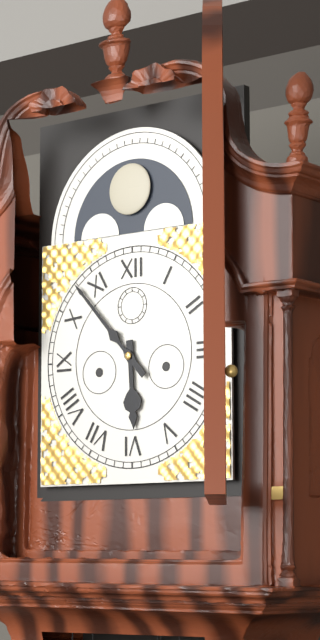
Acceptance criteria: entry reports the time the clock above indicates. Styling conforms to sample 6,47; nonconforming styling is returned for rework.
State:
5,53
